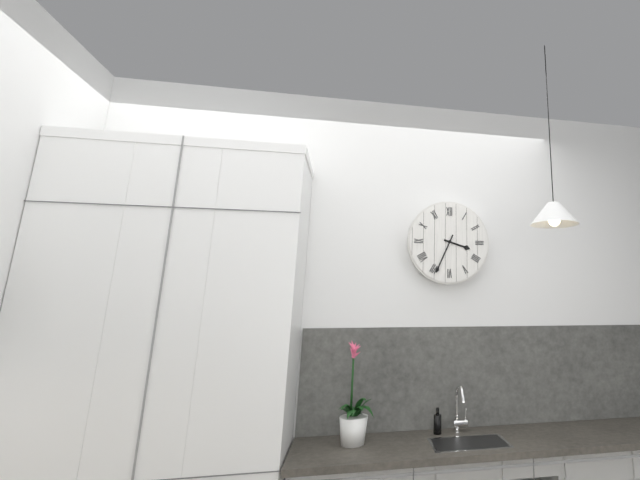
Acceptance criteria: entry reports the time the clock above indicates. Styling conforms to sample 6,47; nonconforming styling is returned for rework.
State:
3,34
